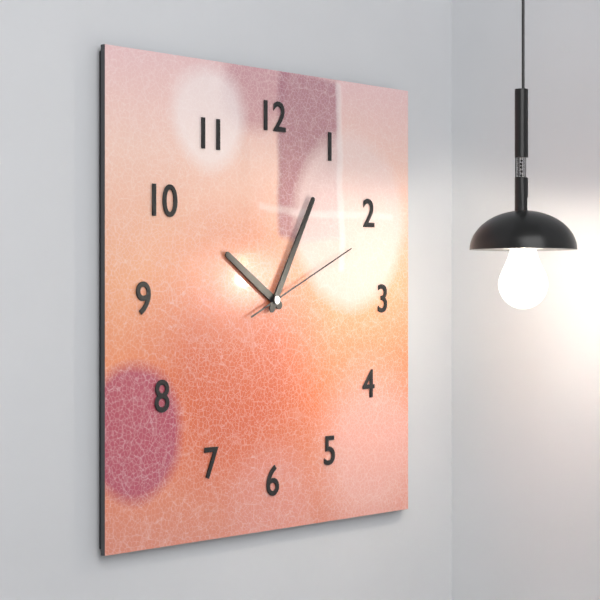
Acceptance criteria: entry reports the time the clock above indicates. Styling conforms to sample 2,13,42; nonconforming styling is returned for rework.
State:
10,05,11
